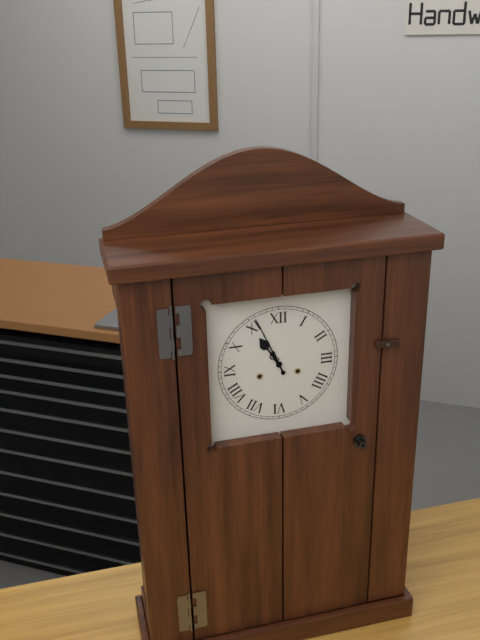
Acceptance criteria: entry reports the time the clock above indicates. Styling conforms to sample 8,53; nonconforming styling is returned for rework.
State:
10,56
